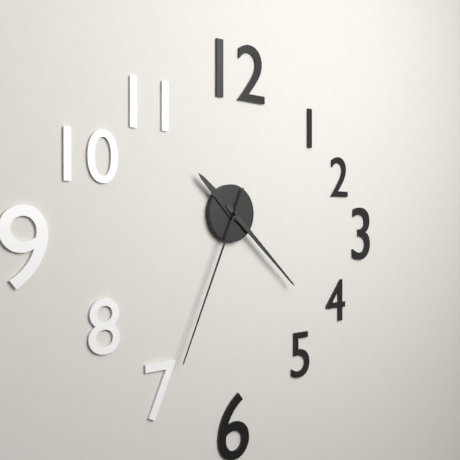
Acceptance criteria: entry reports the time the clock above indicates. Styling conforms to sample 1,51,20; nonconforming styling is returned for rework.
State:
10,22,34
